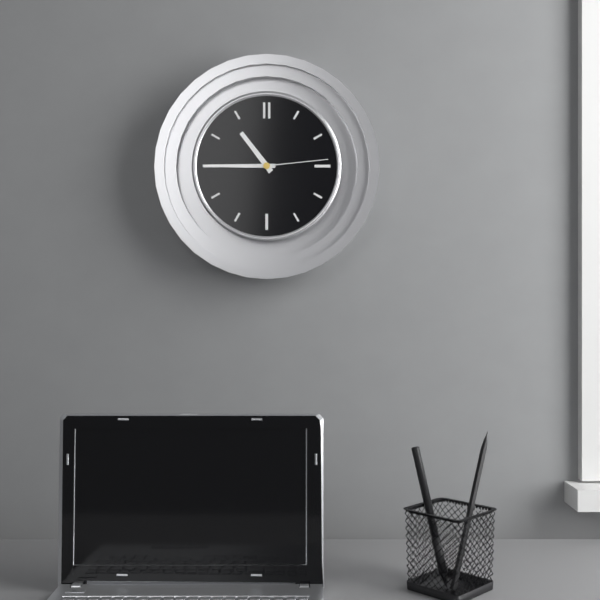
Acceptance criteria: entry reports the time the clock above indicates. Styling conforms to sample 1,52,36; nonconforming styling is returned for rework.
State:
10,45,14
